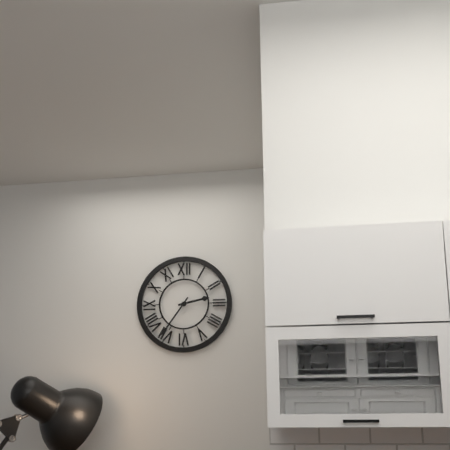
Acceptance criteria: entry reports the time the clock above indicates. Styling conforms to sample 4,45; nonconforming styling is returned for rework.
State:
2,36
